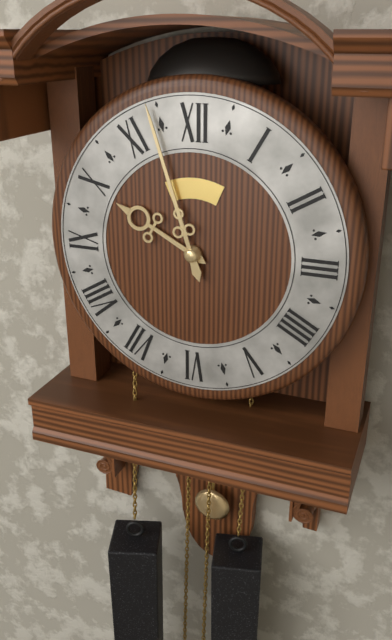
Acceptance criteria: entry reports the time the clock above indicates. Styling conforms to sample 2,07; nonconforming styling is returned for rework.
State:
9,57
